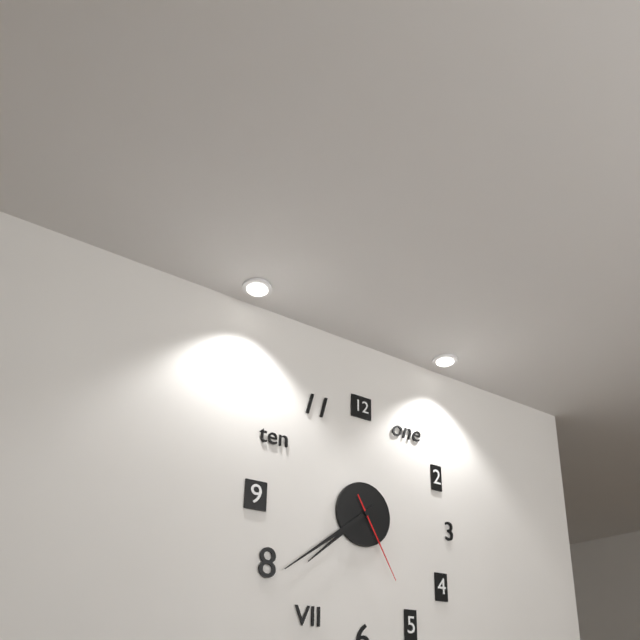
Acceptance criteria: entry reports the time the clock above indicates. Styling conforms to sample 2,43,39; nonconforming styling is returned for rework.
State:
7,39,25
